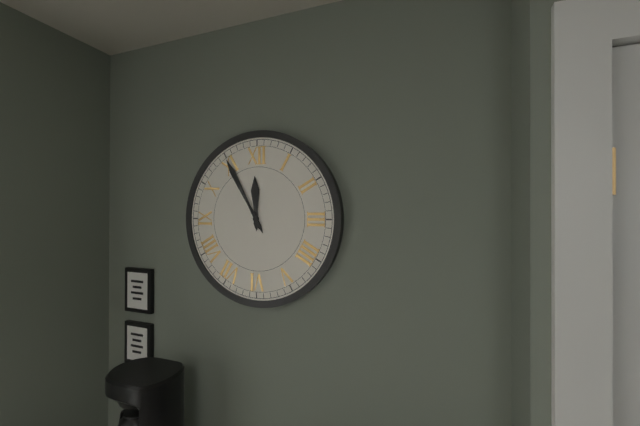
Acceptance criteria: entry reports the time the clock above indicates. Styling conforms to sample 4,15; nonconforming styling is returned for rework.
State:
11,55
